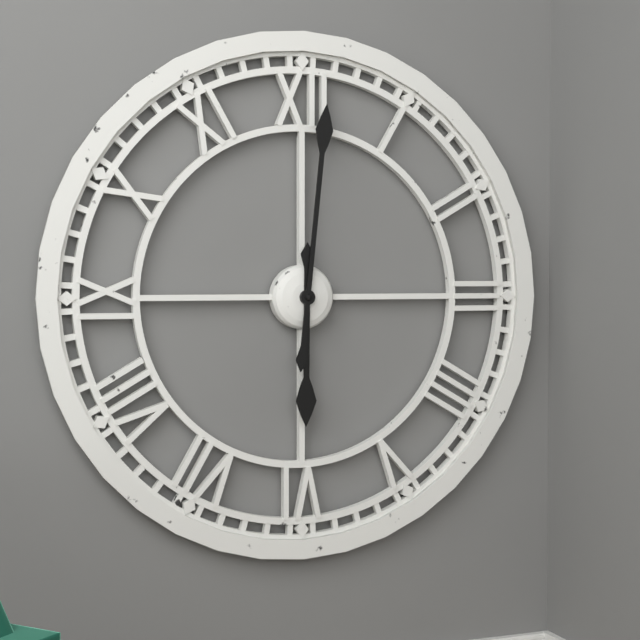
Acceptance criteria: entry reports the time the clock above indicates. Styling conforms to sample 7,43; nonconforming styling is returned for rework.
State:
6,01
